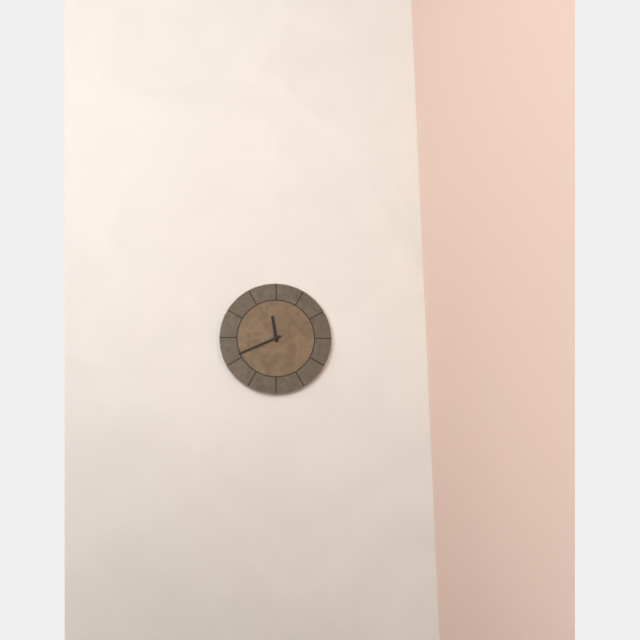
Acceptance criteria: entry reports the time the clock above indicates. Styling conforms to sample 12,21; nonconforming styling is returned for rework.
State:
11,41
